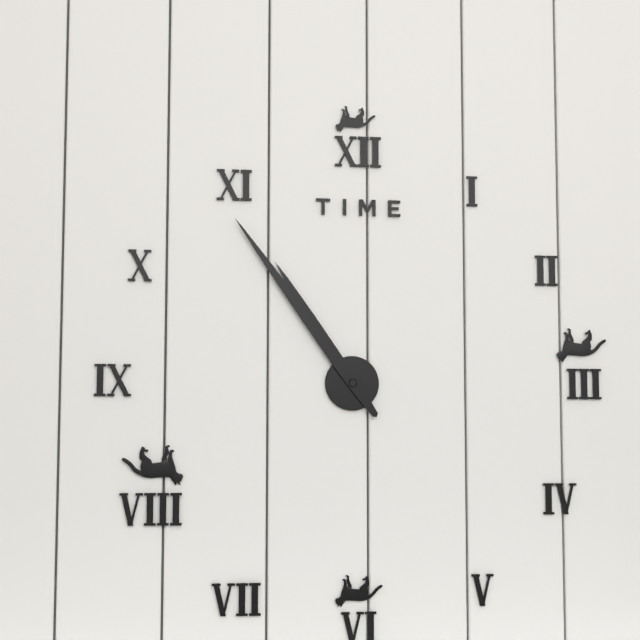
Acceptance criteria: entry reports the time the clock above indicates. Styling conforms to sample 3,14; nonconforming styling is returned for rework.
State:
10,54
